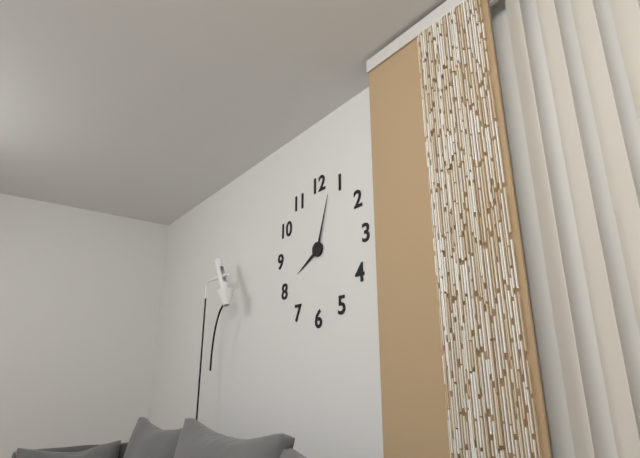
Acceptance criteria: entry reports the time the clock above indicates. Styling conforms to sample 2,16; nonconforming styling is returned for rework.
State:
8,03
